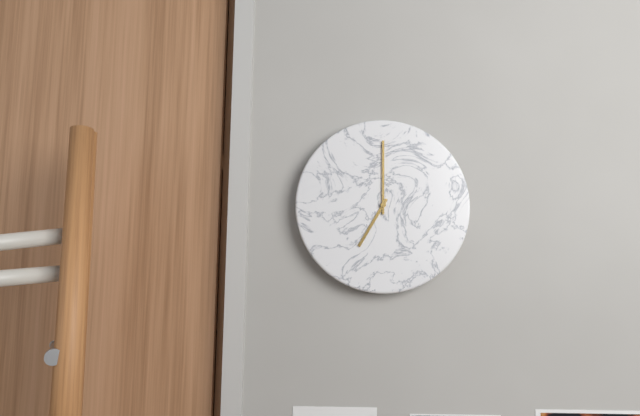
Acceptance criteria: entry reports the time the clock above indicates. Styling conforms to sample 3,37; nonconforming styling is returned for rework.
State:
7,00
